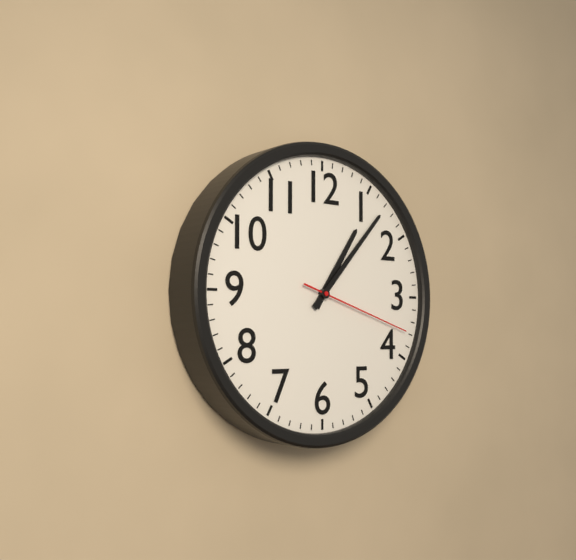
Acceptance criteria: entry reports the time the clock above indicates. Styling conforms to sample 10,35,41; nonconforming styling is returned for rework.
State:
1,07,18
